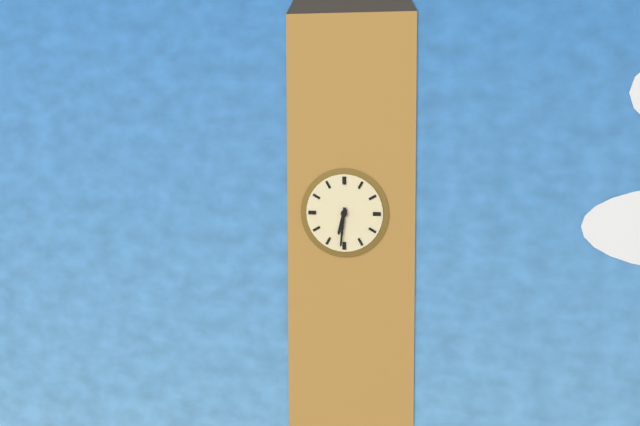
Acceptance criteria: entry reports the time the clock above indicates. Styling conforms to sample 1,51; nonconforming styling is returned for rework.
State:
6,31
